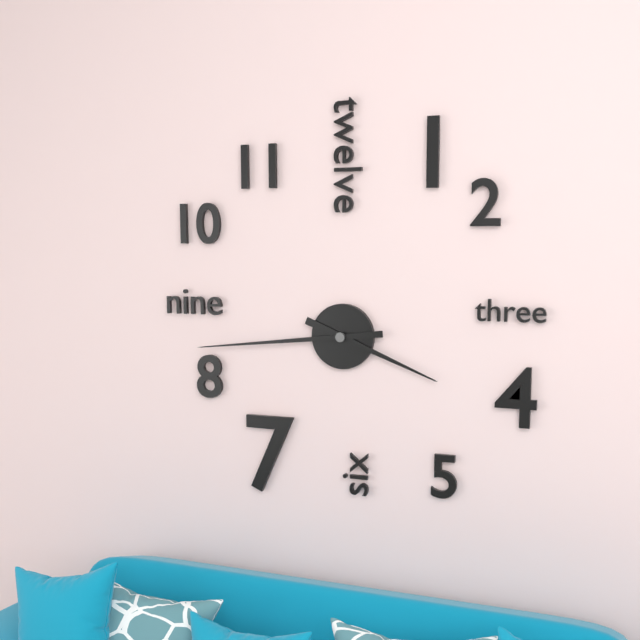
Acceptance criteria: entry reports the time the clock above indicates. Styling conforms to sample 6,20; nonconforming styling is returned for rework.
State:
3,44
